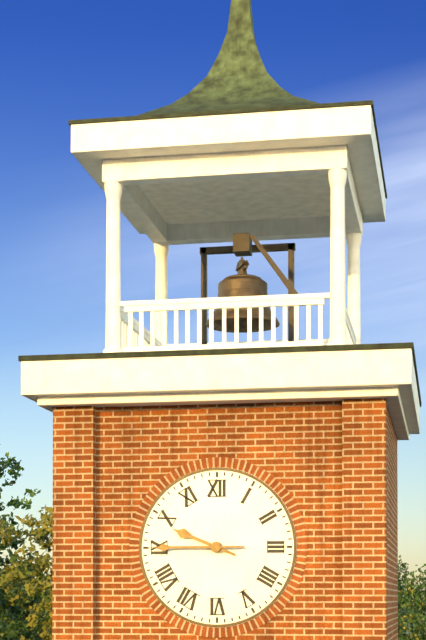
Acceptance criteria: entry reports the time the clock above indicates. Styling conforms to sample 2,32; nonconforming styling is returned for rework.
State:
9,45
